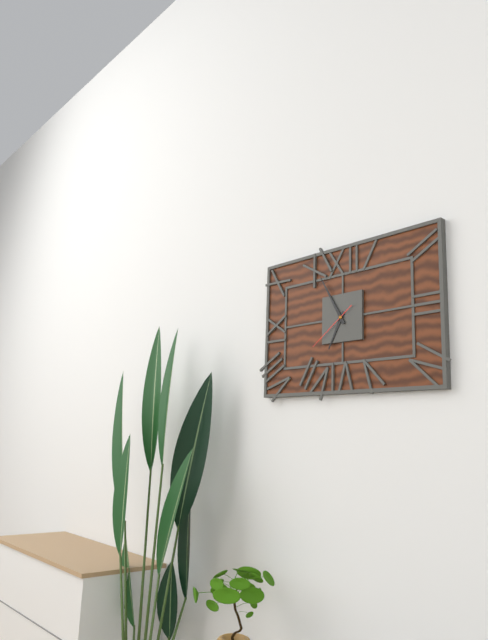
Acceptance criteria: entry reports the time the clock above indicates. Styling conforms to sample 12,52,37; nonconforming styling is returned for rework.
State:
6,55,39
